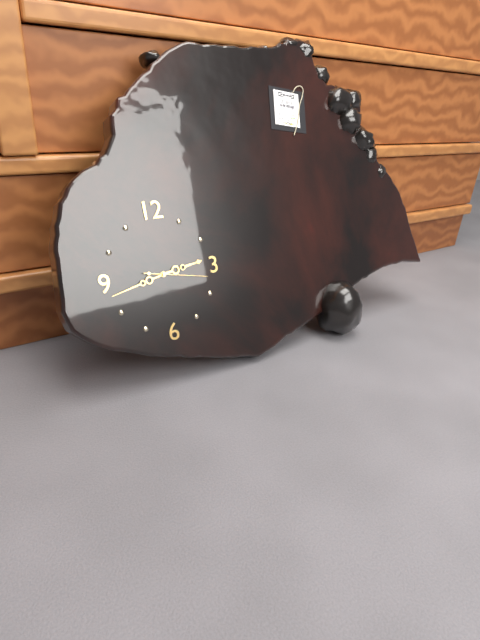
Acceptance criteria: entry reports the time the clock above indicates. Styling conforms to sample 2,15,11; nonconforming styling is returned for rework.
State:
2,43,17
